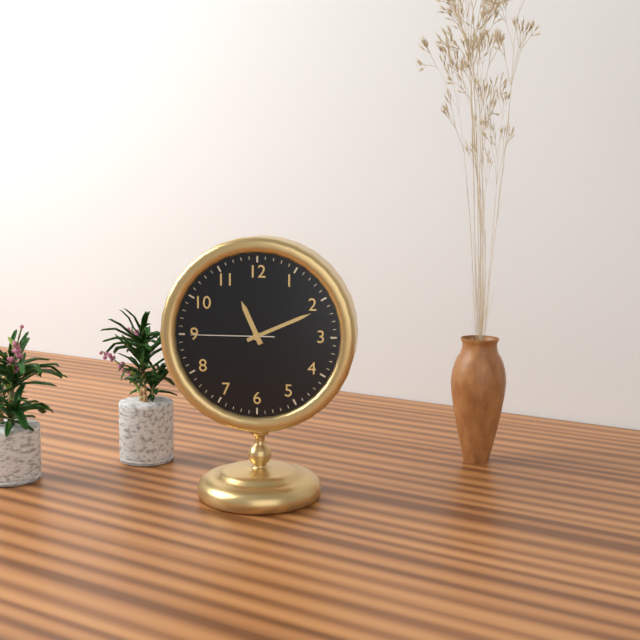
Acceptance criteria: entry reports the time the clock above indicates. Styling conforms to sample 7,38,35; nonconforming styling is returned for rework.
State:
11,11,45
